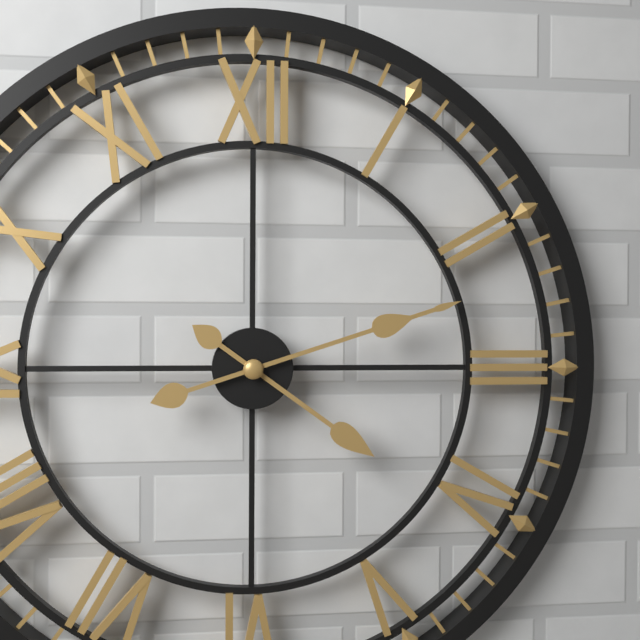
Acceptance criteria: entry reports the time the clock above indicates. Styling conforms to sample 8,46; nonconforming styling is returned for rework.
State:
4,12
